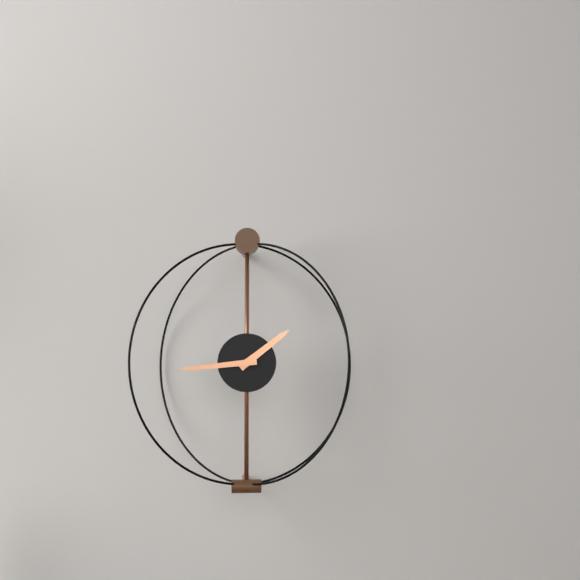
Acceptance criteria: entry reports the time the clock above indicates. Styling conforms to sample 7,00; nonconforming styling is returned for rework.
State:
1,44
